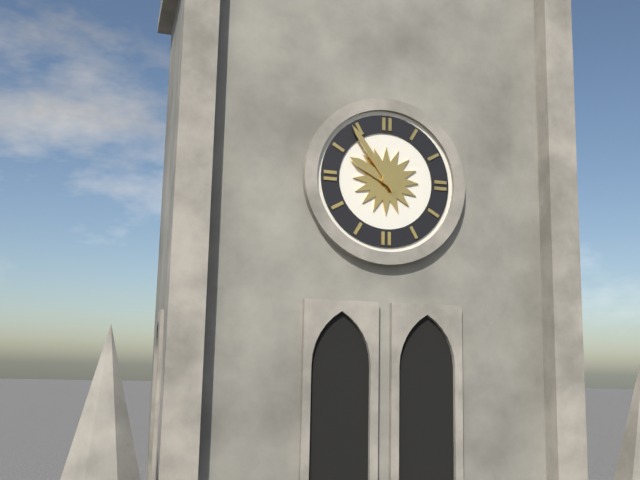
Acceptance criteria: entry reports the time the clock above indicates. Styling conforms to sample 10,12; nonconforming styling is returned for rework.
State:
9,54
